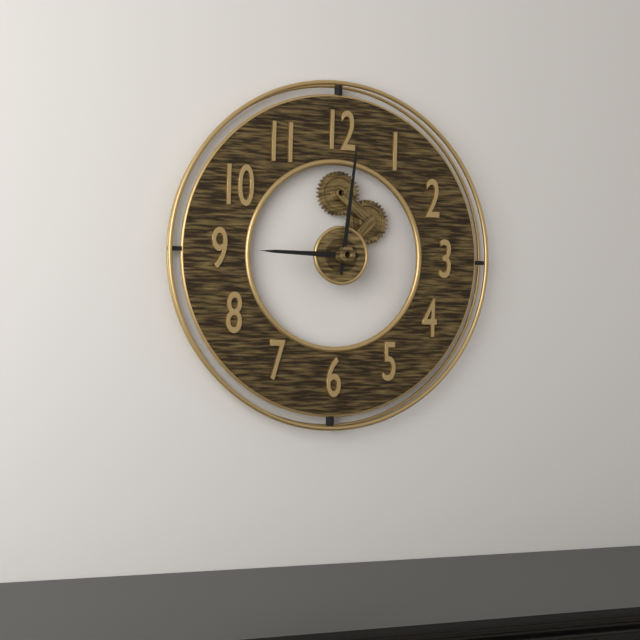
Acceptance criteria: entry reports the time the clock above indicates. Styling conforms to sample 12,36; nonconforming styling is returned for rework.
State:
9,01
